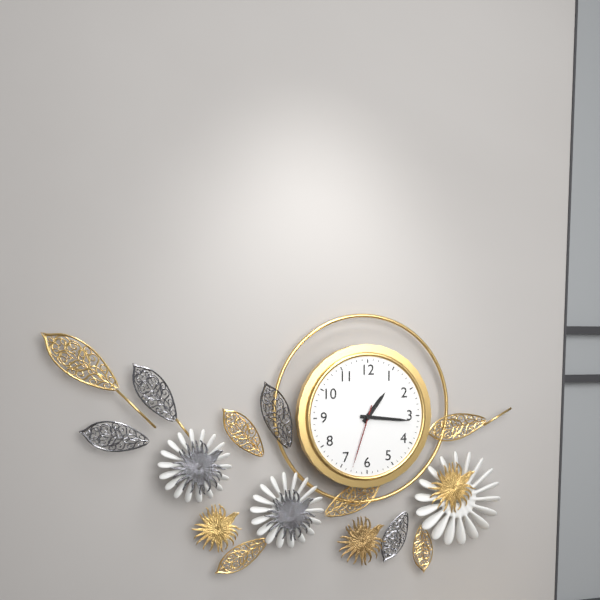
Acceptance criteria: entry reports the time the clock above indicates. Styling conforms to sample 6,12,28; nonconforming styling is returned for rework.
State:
1,16,33
